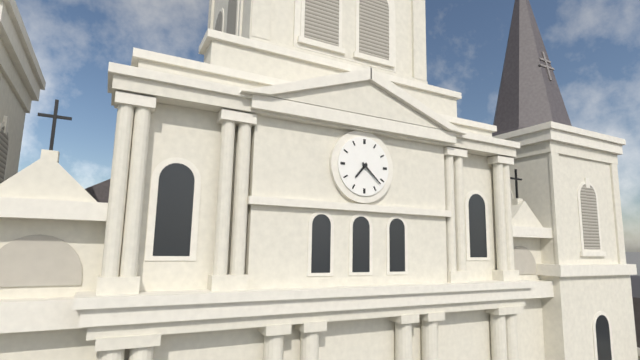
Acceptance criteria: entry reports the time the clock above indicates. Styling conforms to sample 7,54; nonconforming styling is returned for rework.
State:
7,22
